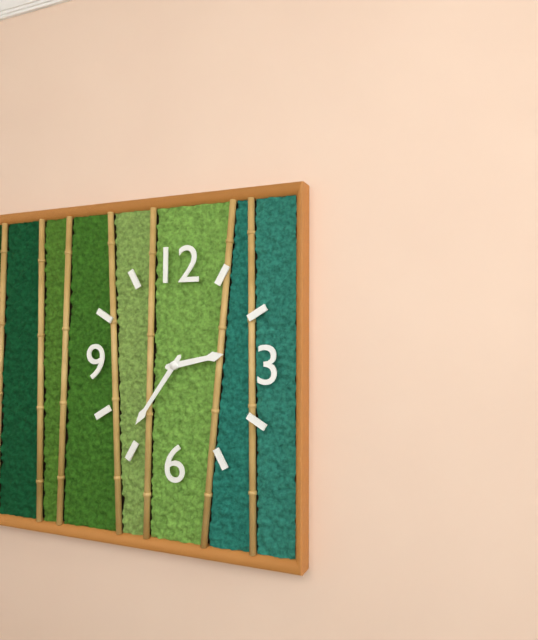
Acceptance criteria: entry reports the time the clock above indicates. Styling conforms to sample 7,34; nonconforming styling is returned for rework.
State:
2,36
